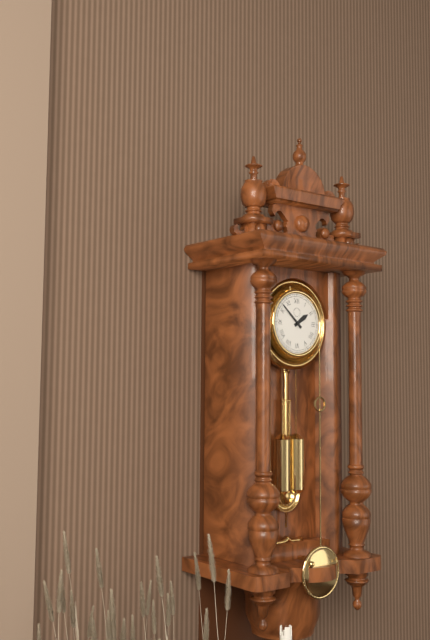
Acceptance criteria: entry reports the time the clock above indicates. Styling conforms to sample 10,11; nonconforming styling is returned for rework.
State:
1,52
